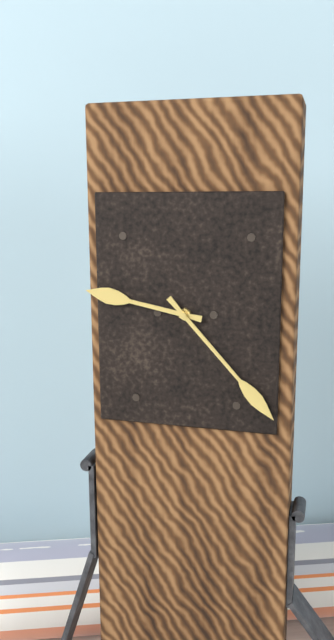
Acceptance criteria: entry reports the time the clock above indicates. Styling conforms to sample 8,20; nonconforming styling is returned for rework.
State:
9,23
